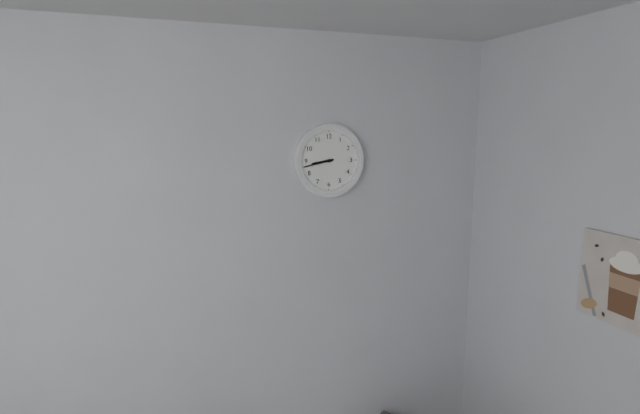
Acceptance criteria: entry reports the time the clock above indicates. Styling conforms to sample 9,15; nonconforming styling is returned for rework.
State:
8,43
